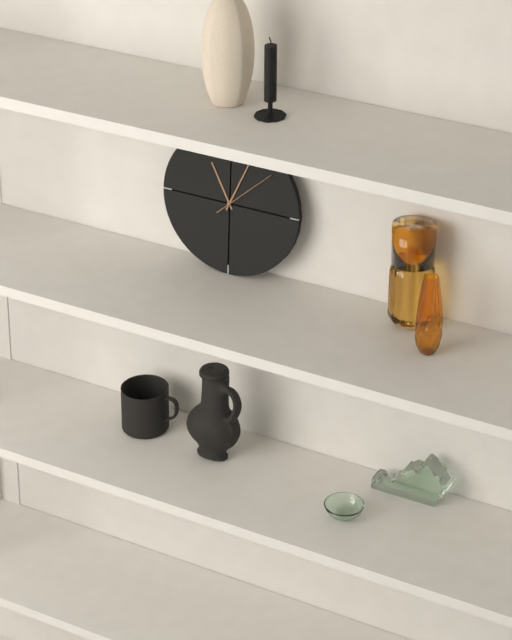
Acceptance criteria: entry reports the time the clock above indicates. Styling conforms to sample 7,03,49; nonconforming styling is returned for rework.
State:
11,04,08
